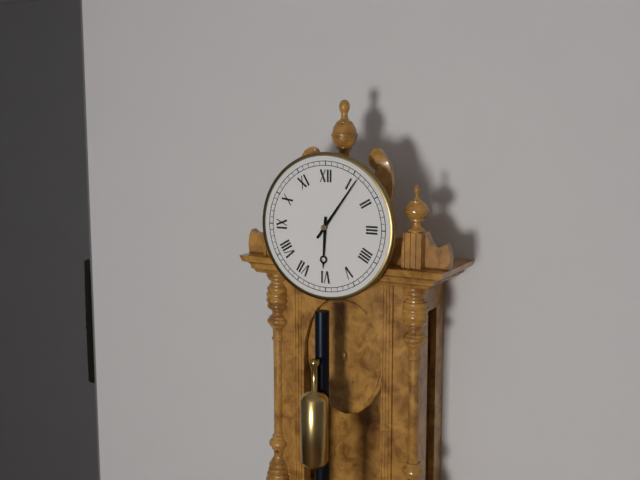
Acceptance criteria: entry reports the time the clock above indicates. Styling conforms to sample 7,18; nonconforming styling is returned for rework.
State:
6,06
